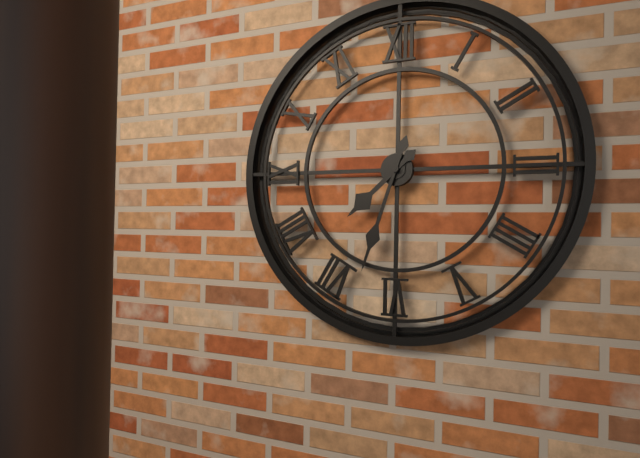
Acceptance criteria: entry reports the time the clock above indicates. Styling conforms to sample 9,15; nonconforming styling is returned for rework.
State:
7,33
